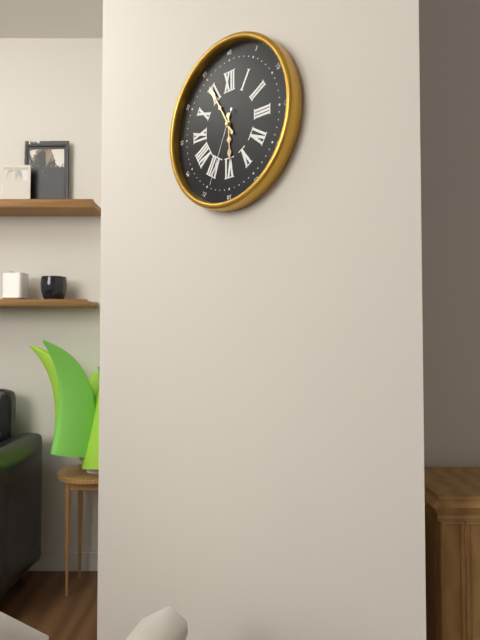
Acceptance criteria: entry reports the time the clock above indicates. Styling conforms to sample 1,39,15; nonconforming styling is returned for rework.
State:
5,55,34
